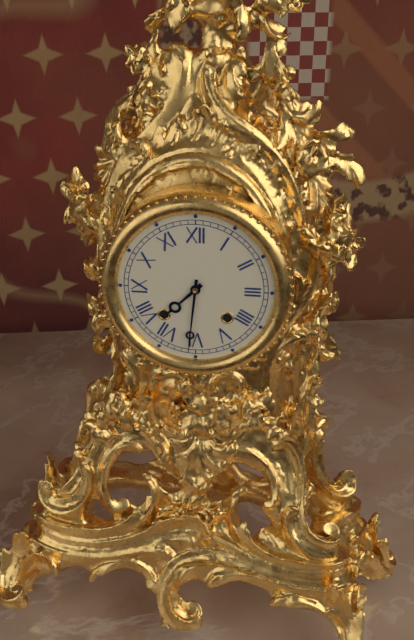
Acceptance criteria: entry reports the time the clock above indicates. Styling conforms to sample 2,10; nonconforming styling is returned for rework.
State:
7,31
